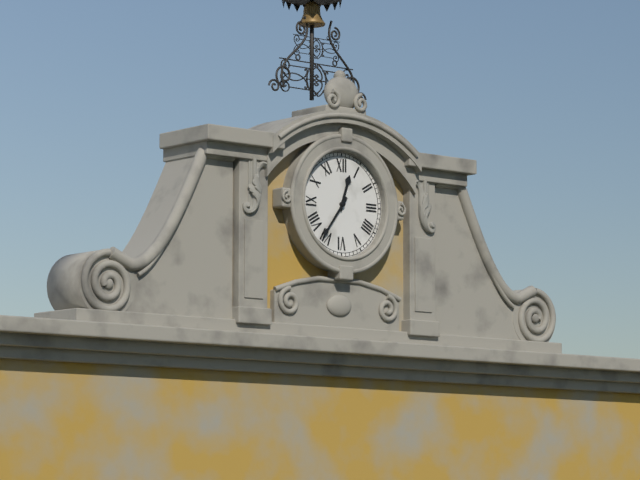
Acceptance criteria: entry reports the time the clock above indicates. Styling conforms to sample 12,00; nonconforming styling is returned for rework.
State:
12,36
